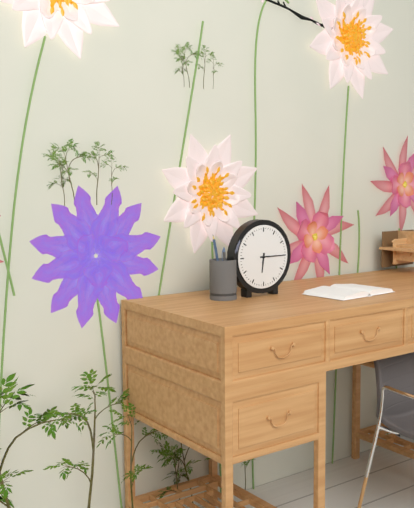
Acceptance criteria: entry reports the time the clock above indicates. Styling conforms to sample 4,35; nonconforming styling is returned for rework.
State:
6,15
